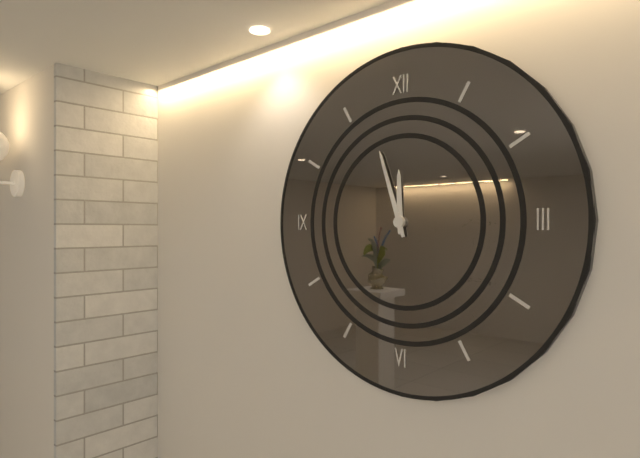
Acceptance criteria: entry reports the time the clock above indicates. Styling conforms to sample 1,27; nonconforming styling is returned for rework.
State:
11,57
